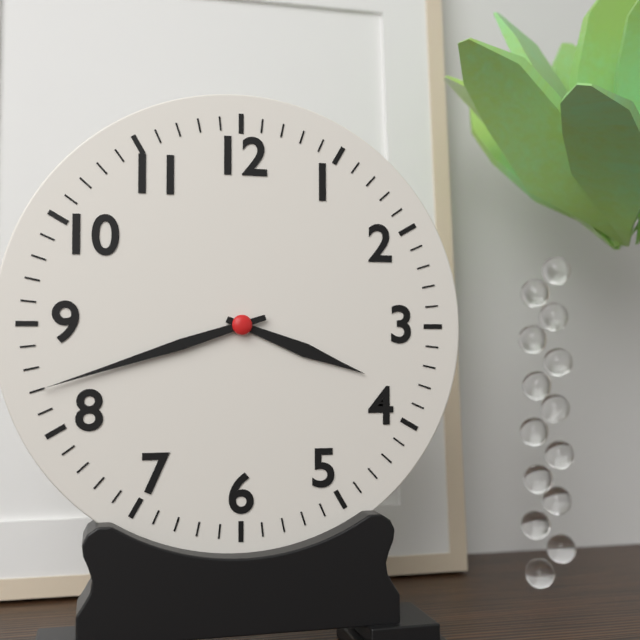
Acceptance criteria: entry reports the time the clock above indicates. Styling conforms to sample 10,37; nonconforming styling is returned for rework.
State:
3,42
